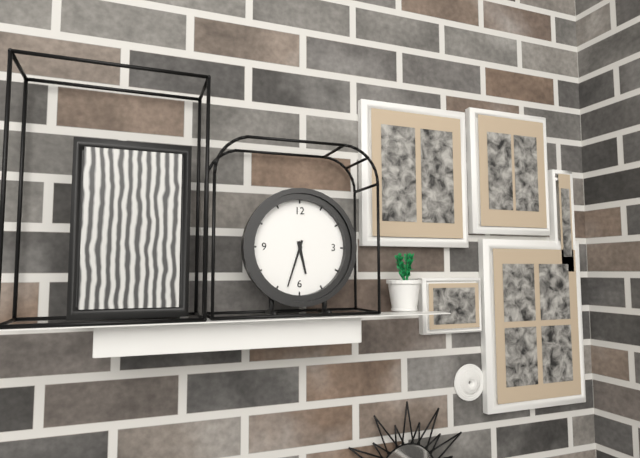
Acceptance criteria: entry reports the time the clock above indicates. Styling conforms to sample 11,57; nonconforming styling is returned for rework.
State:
5,33
